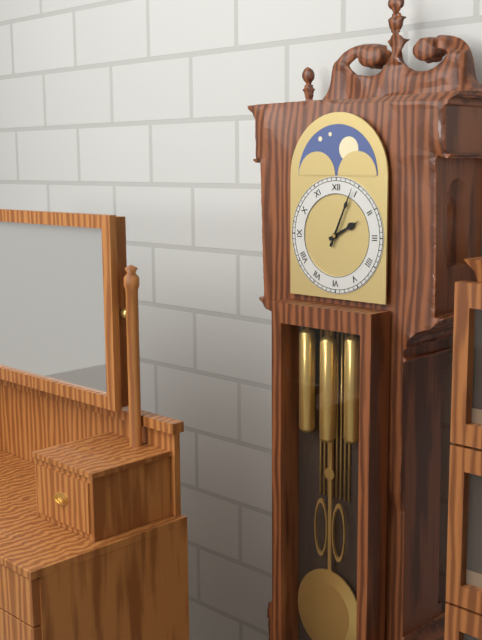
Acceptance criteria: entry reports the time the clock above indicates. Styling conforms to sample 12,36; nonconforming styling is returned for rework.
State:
2,04
